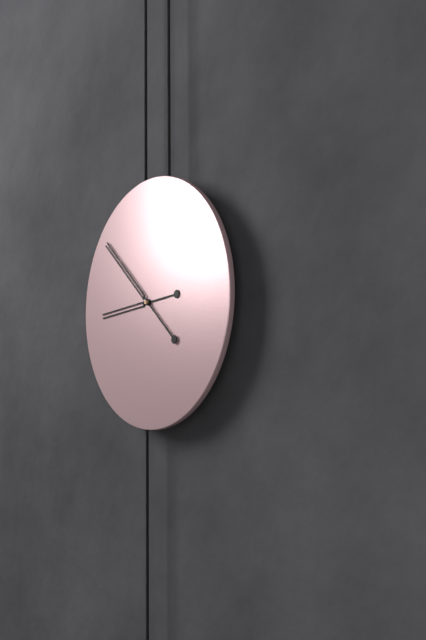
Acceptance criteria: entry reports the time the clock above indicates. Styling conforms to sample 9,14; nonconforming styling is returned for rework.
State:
8,52
